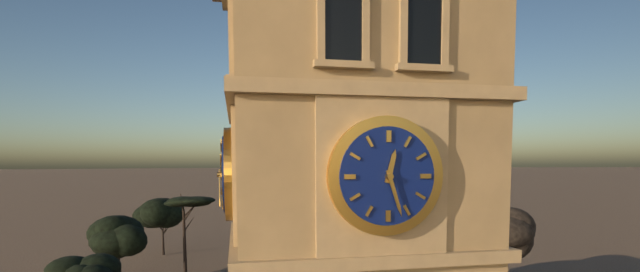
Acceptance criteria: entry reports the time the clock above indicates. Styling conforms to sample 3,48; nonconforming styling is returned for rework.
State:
12,27
